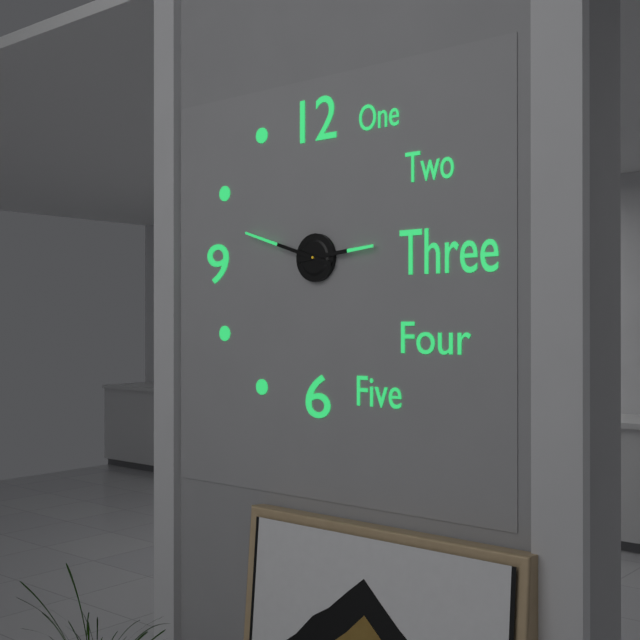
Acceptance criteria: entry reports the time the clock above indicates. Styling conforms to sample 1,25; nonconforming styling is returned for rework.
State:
2,48
